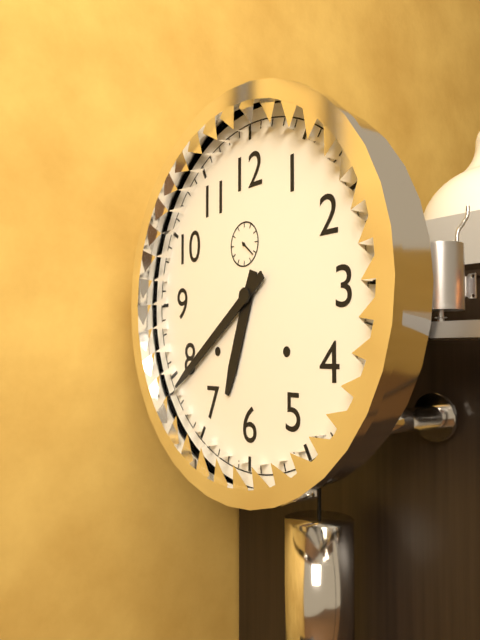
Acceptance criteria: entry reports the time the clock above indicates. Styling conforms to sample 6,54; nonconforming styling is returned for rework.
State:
6,39
